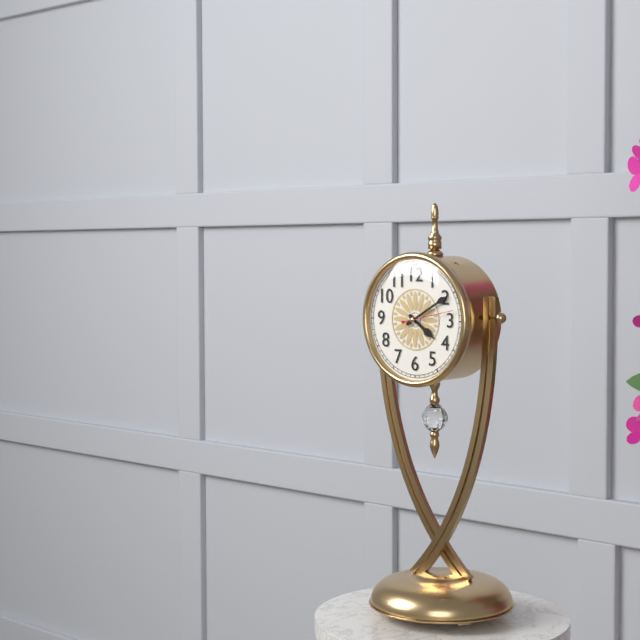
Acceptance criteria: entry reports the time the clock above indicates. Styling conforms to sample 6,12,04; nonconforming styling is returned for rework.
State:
4,10,13
